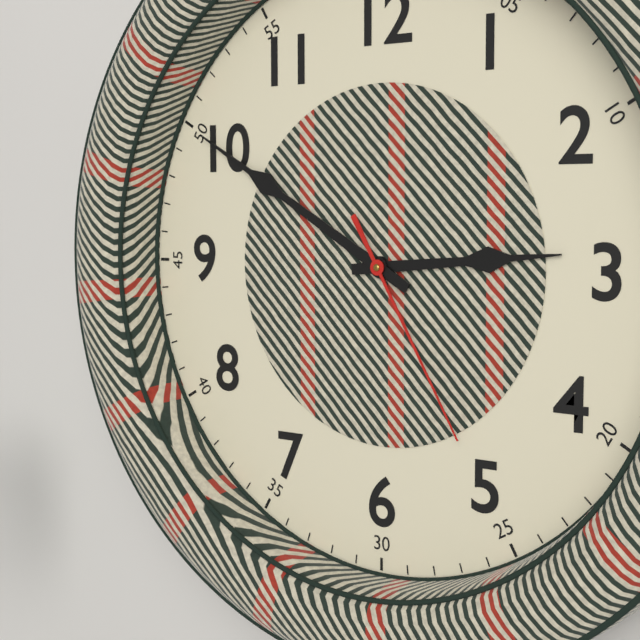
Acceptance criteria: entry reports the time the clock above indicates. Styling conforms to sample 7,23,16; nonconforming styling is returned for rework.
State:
2,50,25
